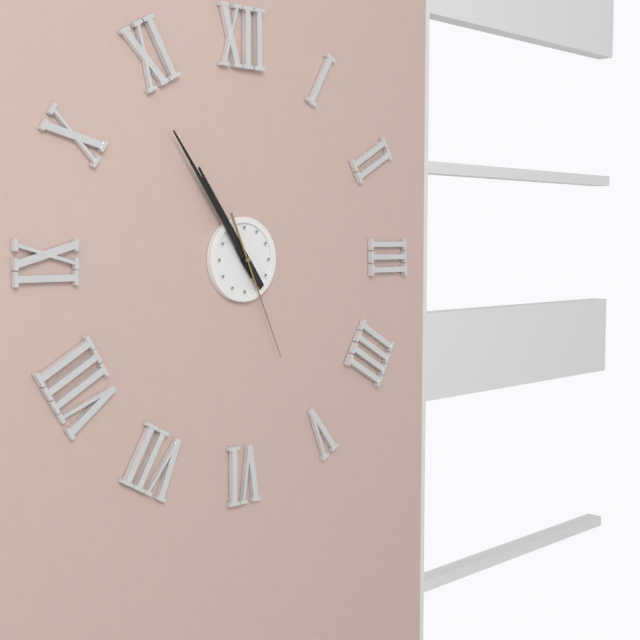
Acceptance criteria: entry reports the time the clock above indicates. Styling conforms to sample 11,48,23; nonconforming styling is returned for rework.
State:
10,54,26
